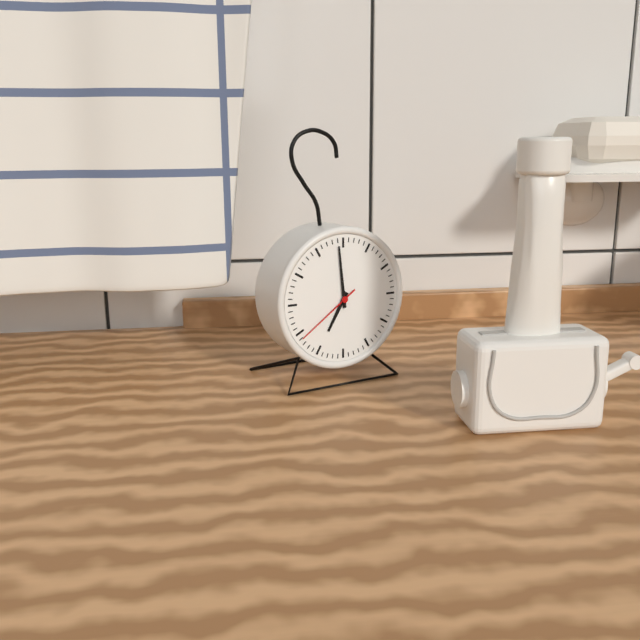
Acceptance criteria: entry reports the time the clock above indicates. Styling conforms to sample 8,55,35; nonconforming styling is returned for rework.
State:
6,59,39
